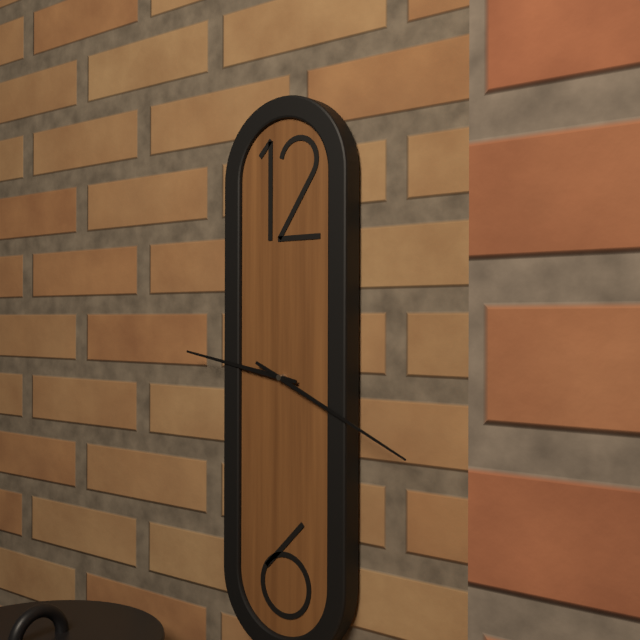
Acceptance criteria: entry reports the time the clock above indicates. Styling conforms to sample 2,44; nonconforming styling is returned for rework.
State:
9,19
